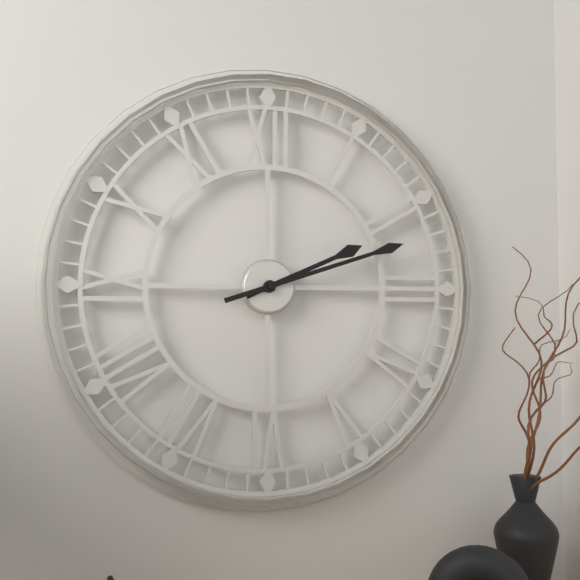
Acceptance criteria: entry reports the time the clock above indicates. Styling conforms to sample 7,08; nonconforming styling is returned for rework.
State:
2,12
